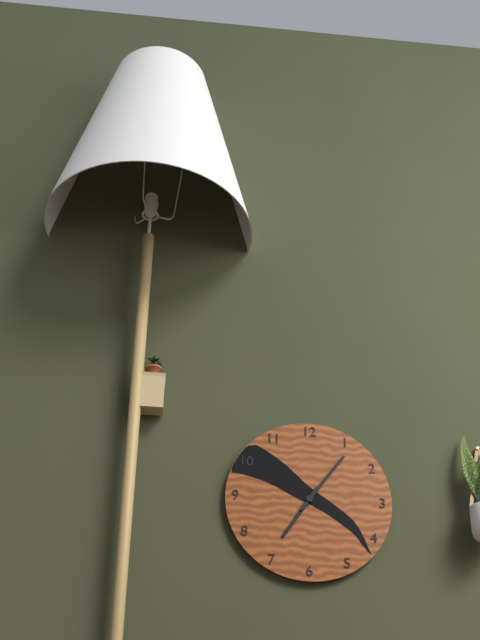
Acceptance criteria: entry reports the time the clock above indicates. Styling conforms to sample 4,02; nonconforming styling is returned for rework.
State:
7,06
